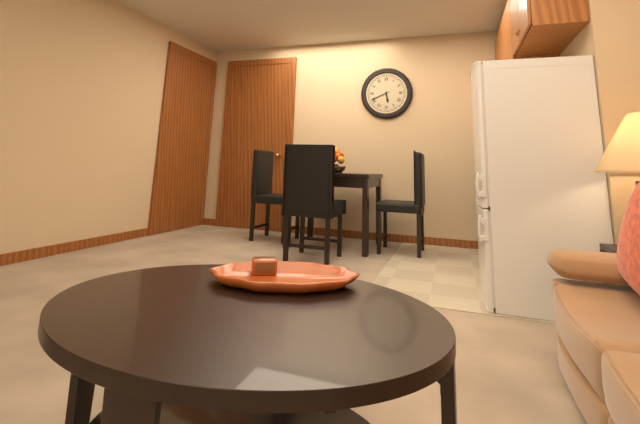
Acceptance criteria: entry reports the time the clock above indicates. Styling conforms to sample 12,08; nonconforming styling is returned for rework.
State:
5,41
